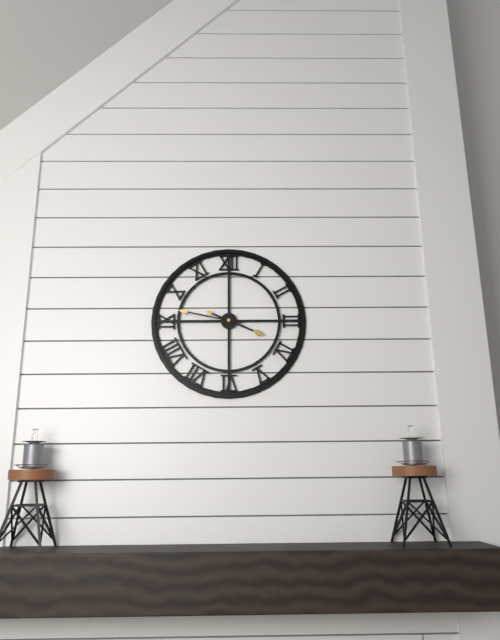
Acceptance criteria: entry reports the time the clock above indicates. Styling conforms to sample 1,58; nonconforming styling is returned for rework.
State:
3,47
